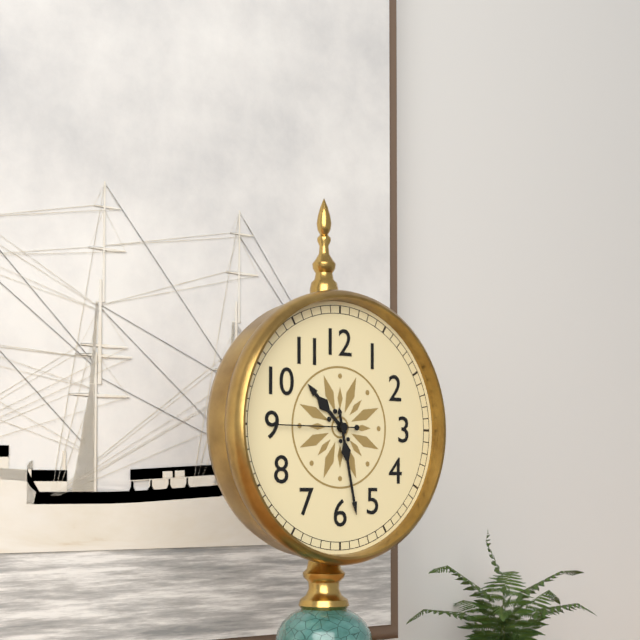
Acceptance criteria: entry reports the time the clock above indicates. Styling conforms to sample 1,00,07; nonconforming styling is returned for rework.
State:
10,28,45
